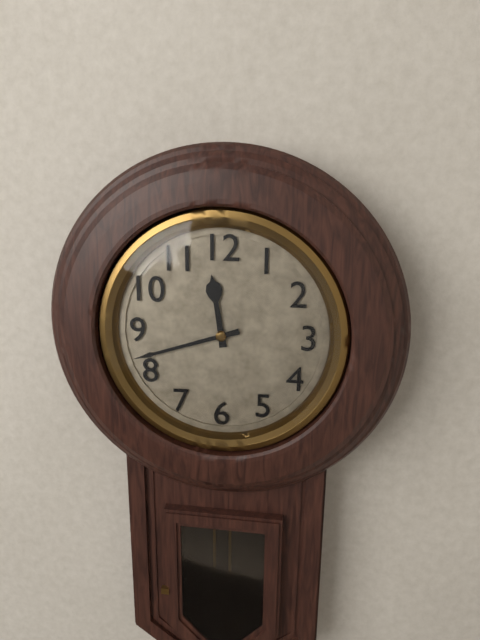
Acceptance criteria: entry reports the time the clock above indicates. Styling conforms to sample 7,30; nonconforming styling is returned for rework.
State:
11,42
